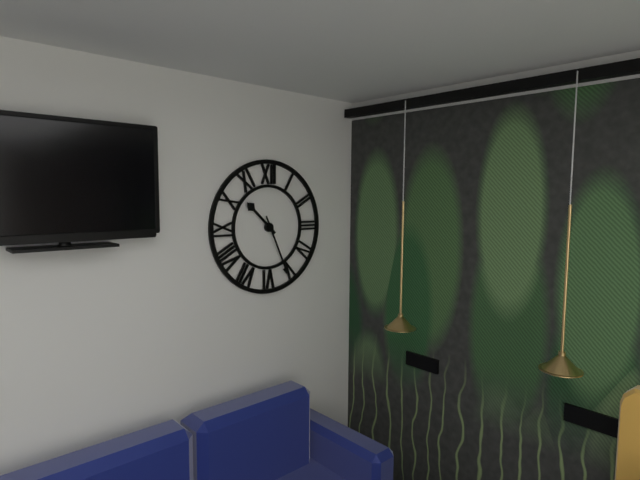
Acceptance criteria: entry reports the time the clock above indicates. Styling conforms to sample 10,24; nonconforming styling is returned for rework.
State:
10,26
